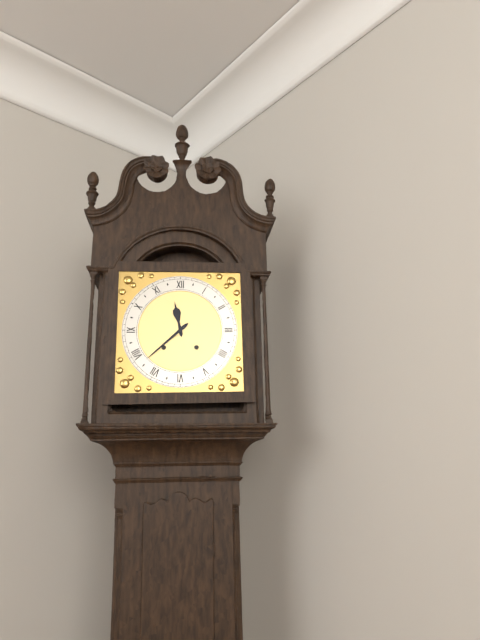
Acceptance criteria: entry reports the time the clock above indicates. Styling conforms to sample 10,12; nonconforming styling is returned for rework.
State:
11,38
